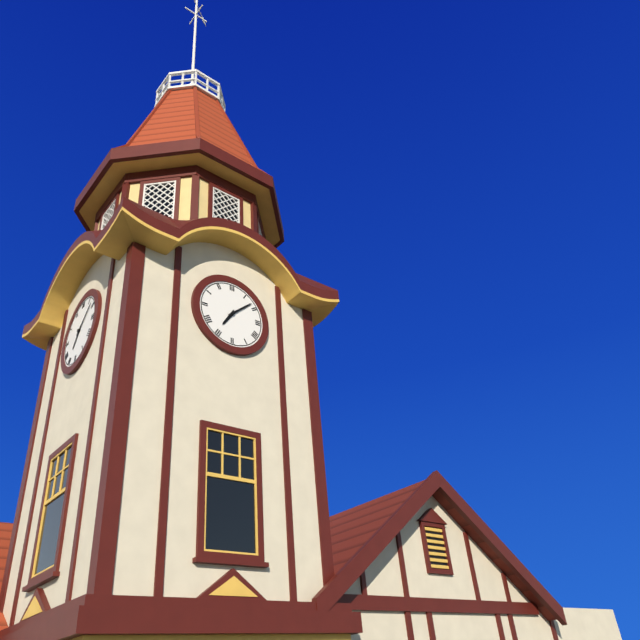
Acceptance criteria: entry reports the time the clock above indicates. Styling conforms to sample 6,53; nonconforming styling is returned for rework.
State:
7,08
